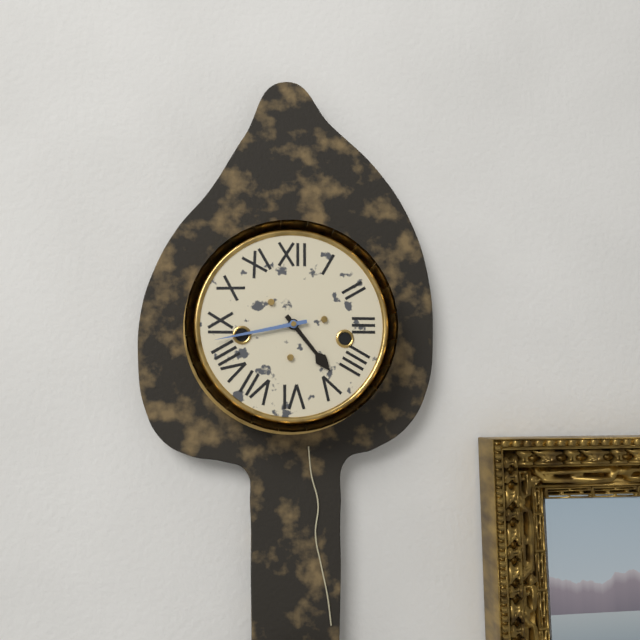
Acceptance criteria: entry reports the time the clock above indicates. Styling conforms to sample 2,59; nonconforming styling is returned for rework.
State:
4,43
